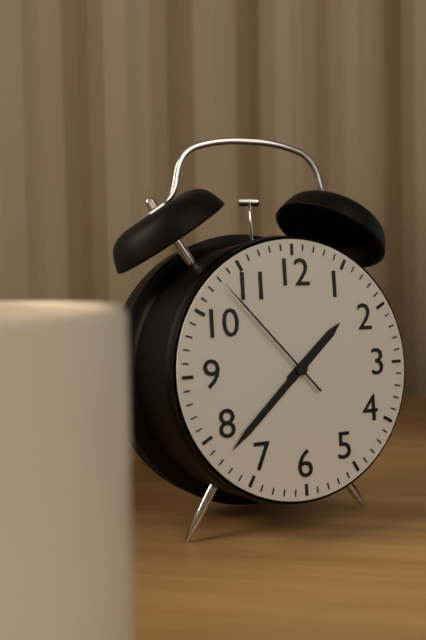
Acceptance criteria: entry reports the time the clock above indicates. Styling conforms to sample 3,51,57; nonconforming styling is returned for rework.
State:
1,38,53
